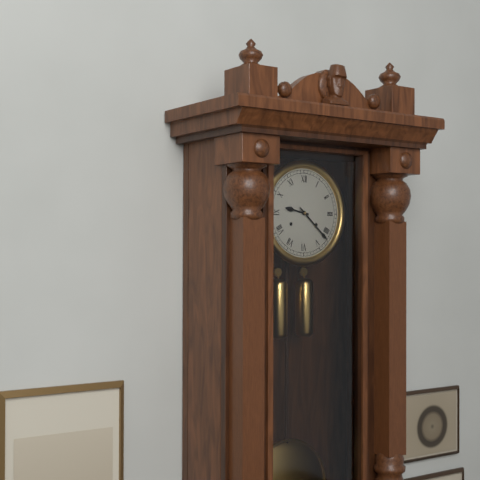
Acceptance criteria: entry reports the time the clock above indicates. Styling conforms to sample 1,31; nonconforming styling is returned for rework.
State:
9,22
